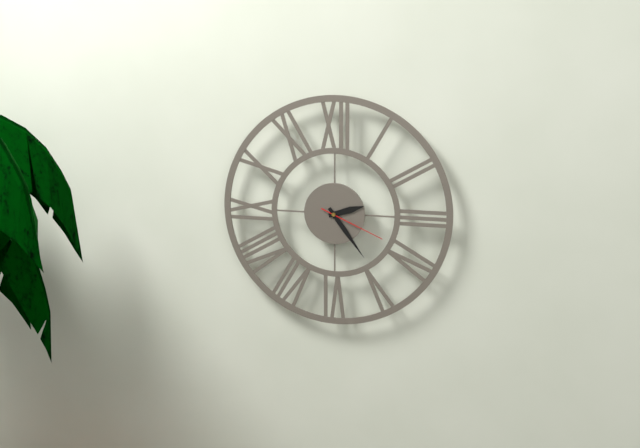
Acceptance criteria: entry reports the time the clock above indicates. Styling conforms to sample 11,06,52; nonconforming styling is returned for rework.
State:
2,24,19
